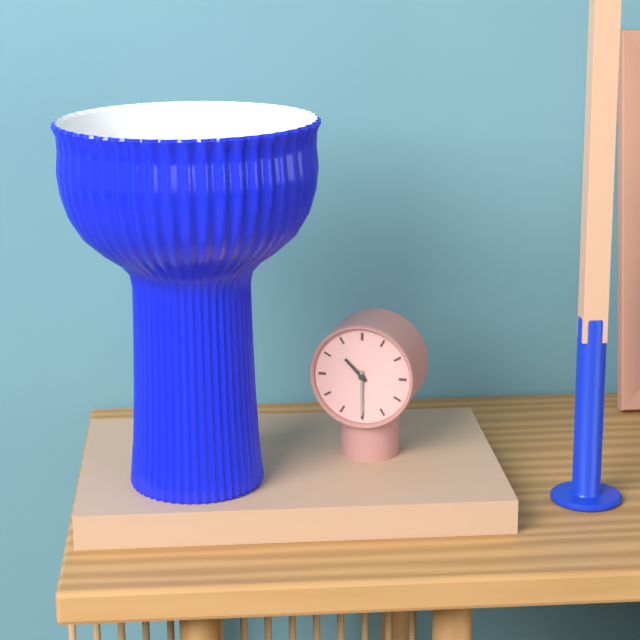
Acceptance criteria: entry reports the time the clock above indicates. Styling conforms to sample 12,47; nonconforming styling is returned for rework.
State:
10,30
